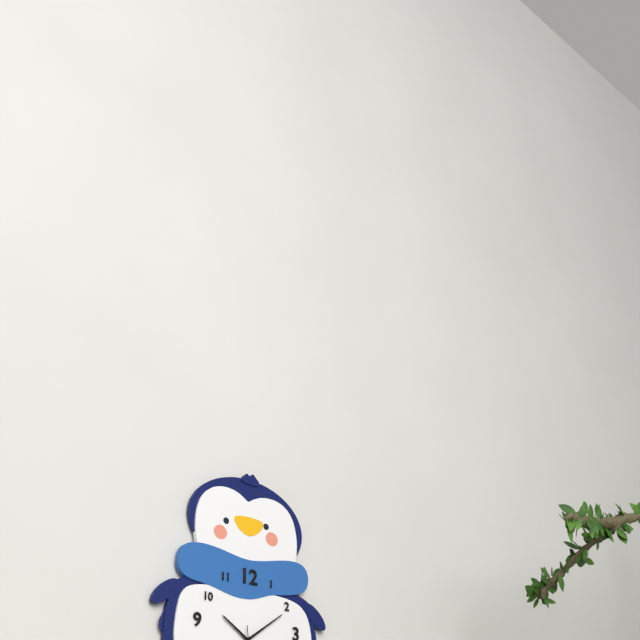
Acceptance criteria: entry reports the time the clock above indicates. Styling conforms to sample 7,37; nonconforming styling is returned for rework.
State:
10,09
